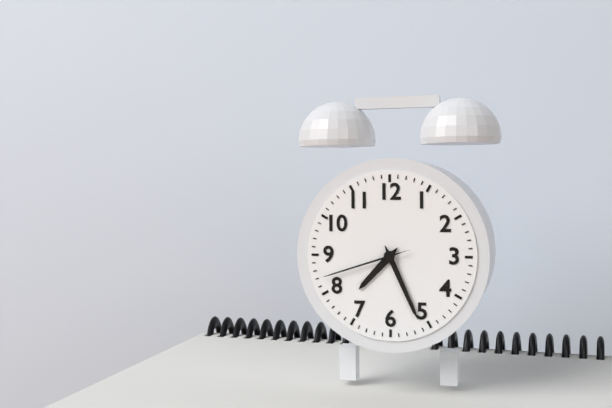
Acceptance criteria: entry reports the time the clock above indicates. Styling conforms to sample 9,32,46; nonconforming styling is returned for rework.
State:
7,26,42
